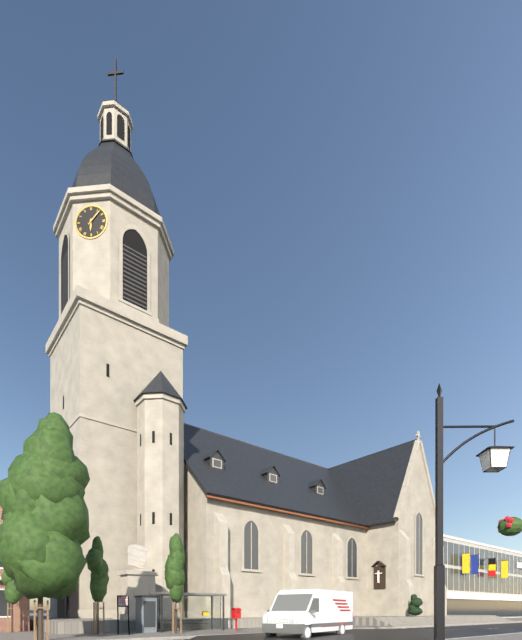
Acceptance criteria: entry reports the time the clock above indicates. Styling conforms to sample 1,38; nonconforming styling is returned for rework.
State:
6,07
